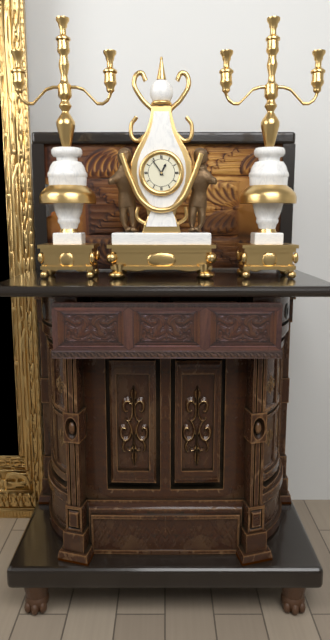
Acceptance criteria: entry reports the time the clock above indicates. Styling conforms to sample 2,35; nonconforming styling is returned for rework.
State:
12,54
